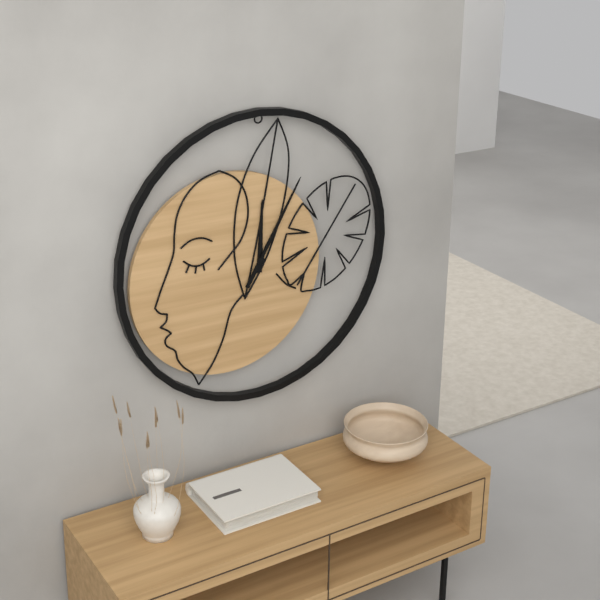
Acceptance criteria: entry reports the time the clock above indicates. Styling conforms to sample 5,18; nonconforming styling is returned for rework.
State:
12,05
